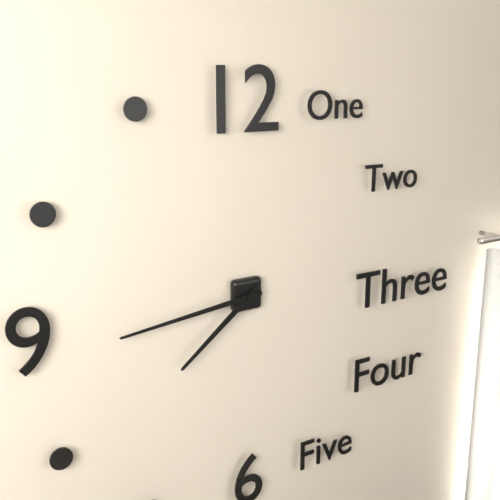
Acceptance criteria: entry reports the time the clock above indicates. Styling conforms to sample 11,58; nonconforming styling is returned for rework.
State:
7,44
